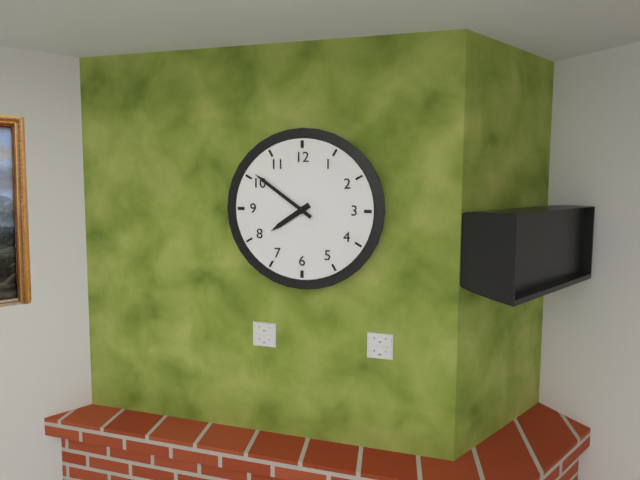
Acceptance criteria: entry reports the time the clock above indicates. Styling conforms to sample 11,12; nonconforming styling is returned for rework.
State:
7,51
